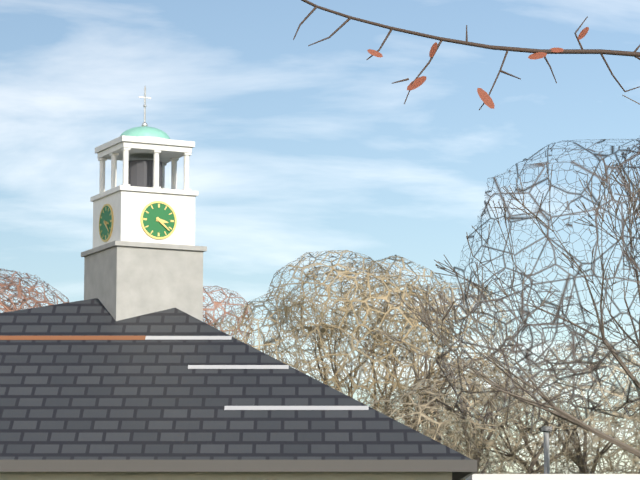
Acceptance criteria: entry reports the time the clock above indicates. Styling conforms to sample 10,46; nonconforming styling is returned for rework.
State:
3,22
